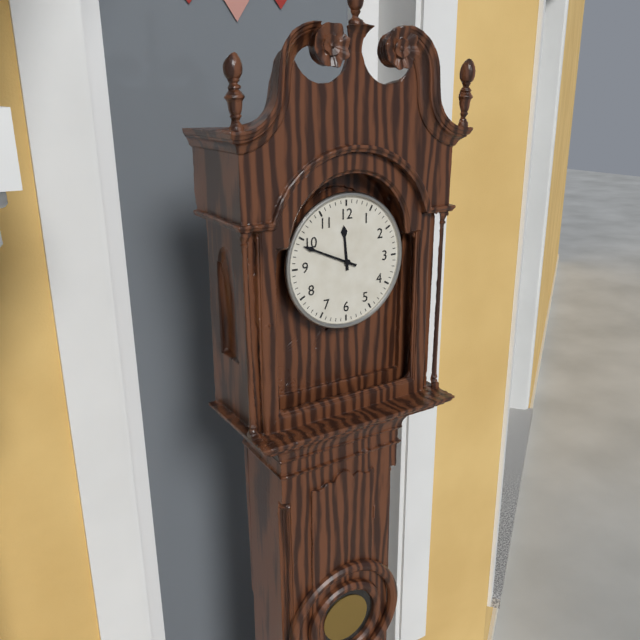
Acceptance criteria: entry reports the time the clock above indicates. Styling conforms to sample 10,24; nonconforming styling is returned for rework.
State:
11,49
